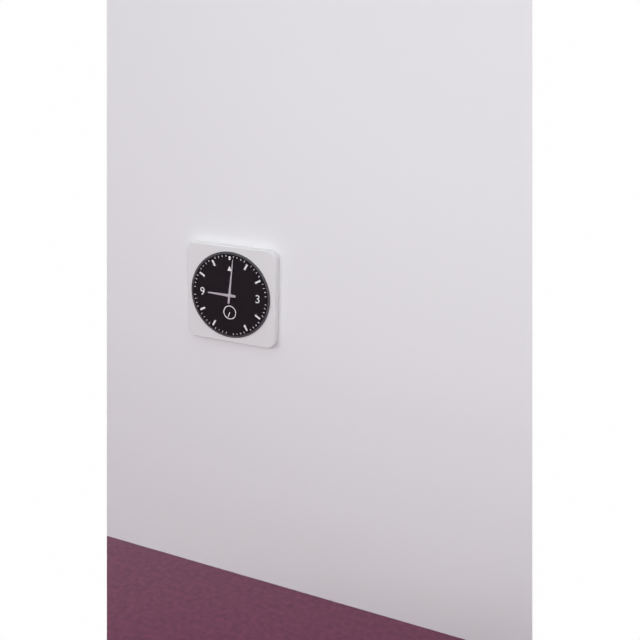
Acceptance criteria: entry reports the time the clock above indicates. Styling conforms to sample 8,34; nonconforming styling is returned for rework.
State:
9,01
